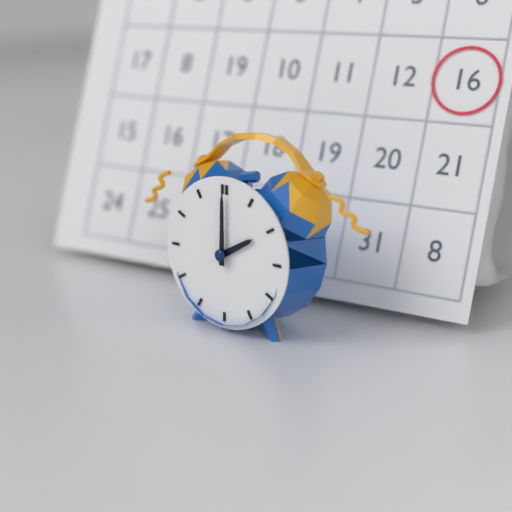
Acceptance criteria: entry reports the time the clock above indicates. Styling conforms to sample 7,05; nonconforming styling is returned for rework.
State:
2,00
